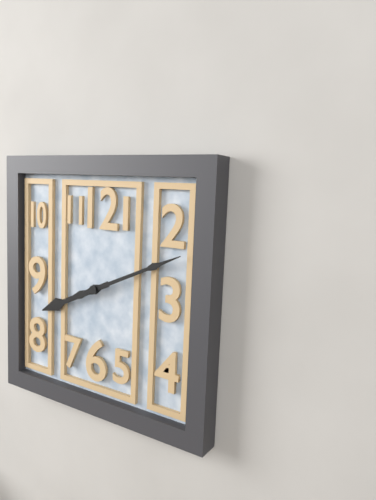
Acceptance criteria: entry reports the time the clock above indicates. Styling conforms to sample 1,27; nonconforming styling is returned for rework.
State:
8,11
